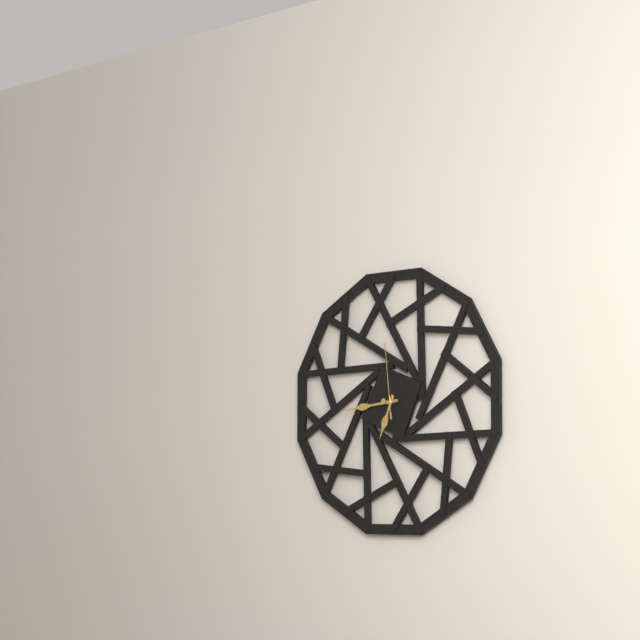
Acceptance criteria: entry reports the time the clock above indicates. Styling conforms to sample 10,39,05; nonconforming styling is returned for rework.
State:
6,44,59
